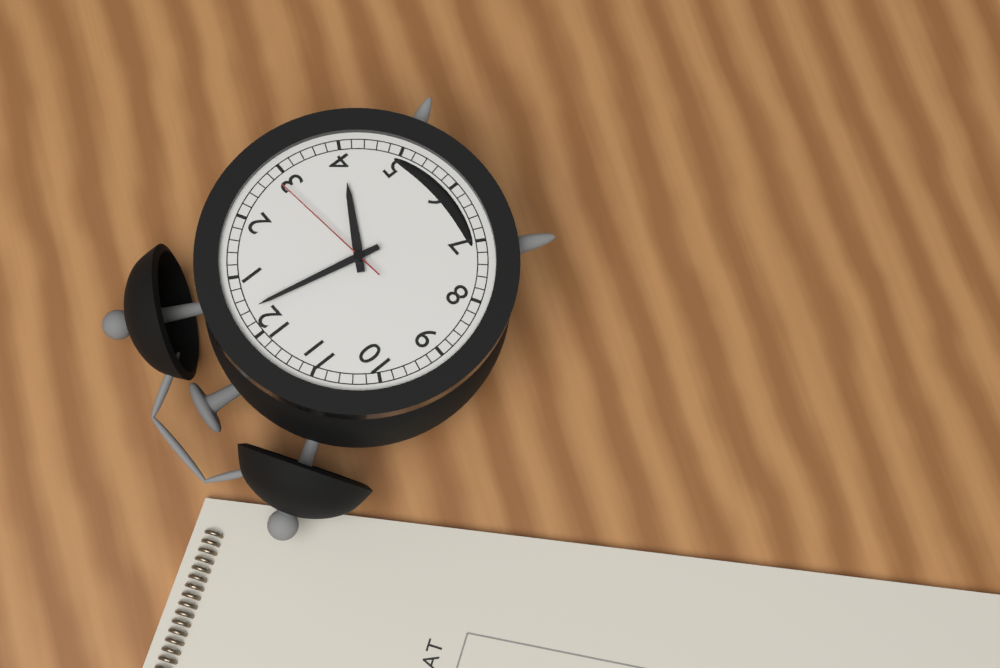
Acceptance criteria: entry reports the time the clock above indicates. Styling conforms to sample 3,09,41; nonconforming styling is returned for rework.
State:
4,02,14
